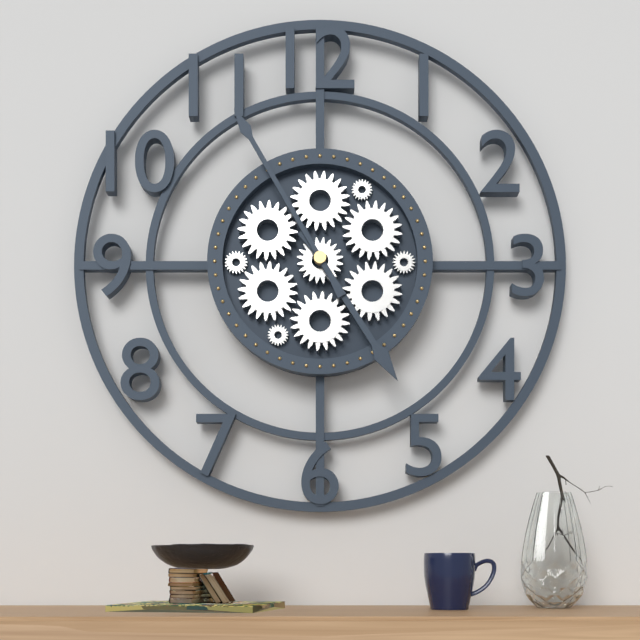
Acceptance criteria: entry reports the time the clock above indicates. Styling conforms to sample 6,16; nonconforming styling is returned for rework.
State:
4,55
